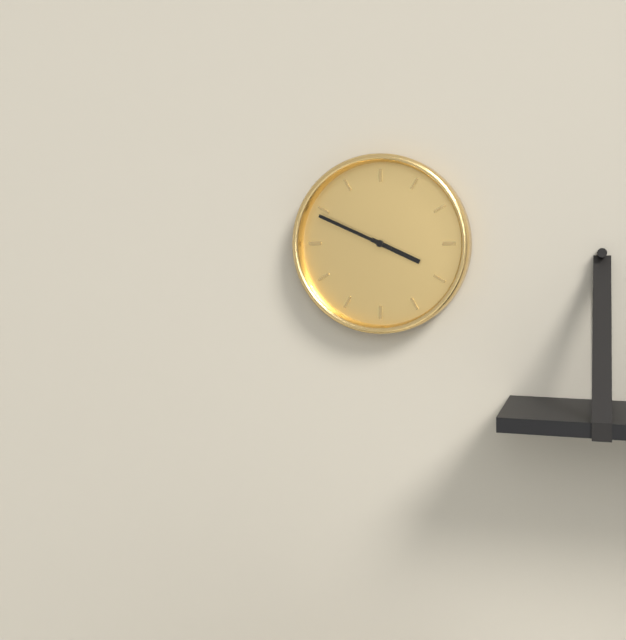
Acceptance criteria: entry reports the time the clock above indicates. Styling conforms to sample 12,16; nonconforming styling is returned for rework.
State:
3,49
